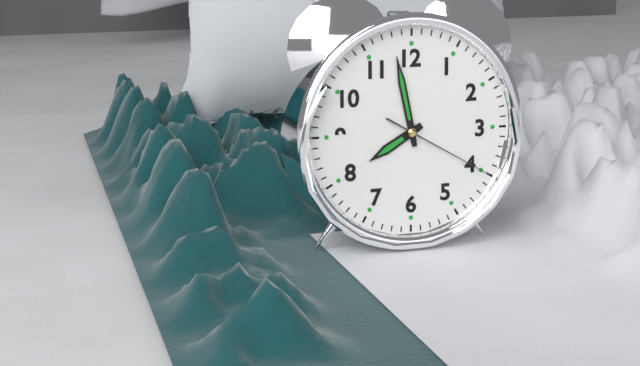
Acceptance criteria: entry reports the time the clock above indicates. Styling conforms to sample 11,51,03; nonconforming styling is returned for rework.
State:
7,58,20
